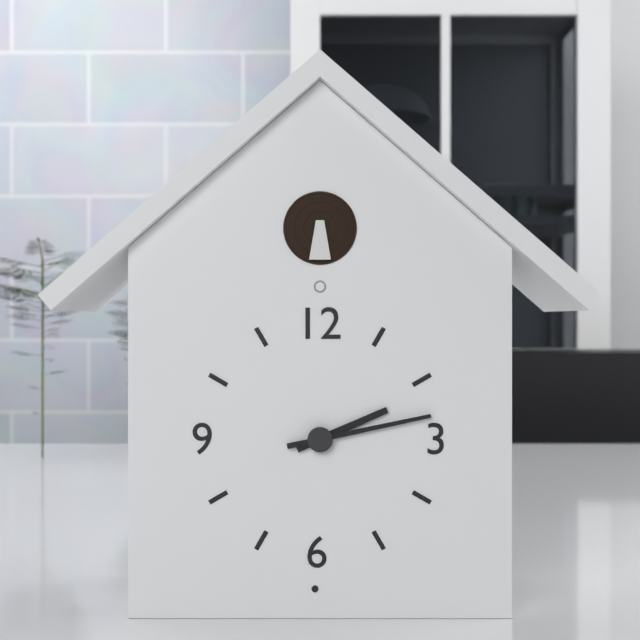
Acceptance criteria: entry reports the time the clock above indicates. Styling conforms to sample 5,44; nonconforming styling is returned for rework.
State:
2,13
